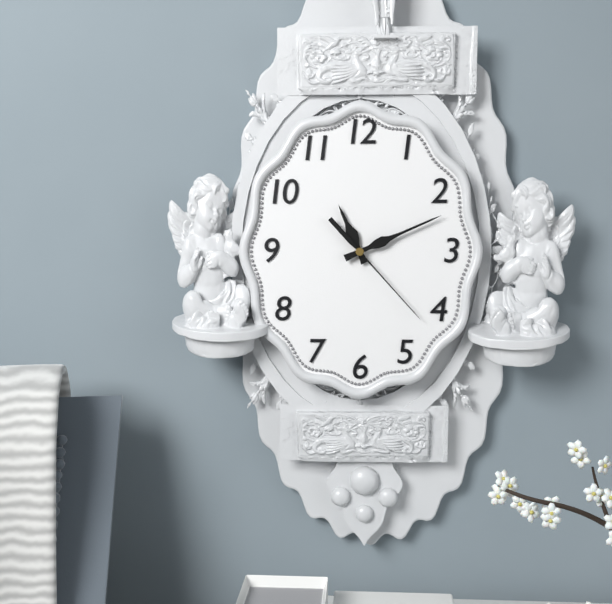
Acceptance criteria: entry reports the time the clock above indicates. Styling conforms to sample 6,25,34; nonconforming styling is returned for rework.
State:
11,11,23
